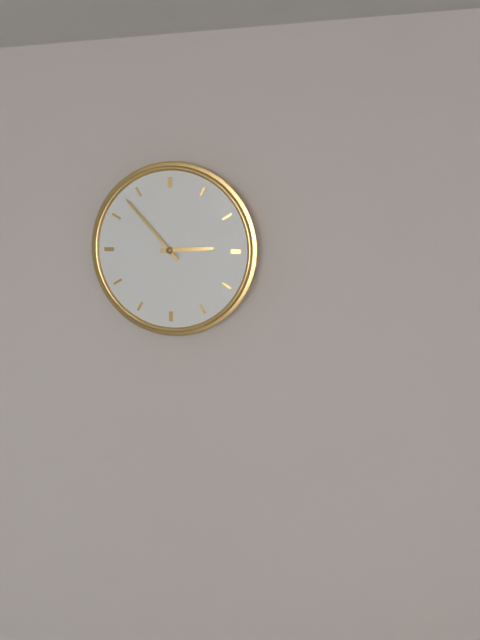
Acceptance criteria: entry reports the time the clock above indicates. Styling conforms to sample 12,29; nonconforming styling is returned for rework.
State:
2,53
